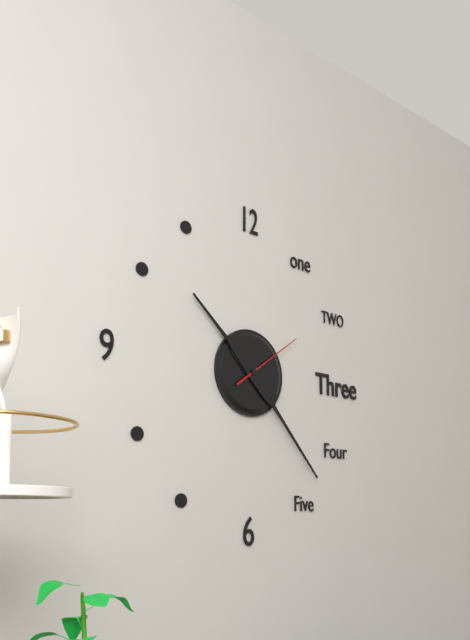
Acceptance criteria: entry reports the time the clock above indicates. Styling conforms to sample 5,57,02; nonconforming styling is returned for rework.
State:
10,23,09
